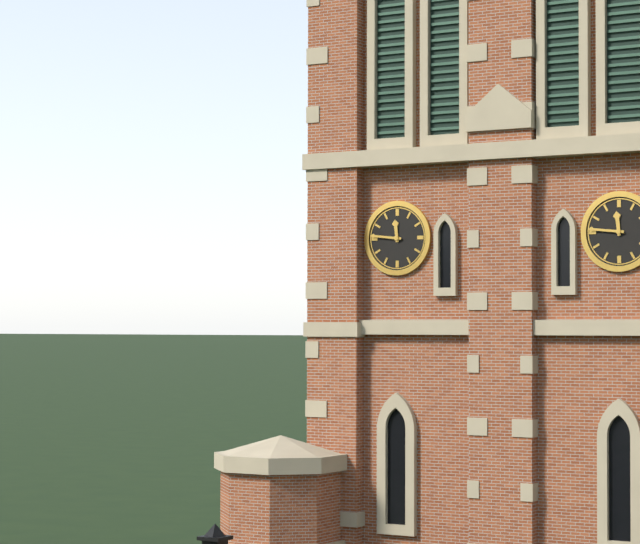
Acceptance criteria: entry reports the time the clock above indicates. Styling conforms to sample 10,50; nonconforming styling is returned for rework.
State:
11,46
